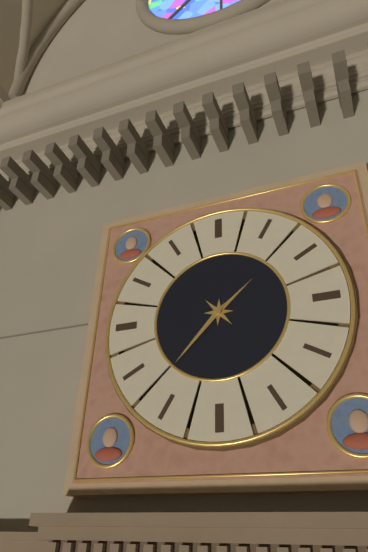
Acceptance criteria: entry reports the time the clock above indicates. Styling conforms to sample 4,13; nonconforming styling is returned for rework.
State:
1,37
